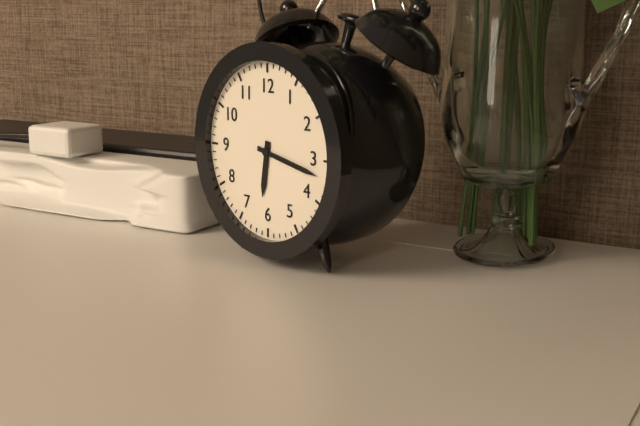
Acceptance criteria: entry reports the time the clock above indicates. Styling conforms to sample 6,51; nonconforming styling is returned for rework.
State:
6,17
